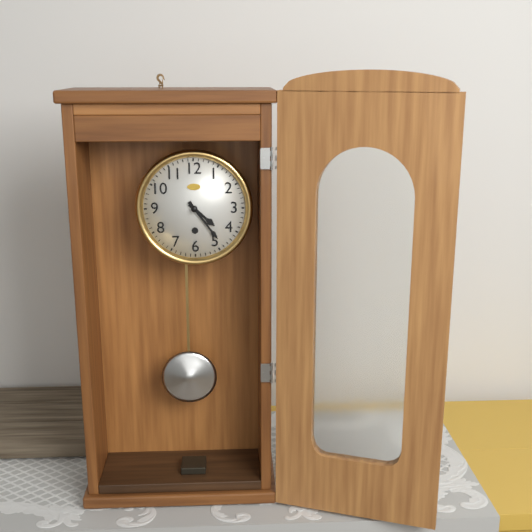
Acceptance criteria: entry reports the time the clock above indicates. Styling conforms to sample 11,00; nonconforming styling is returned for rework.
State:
4,24
